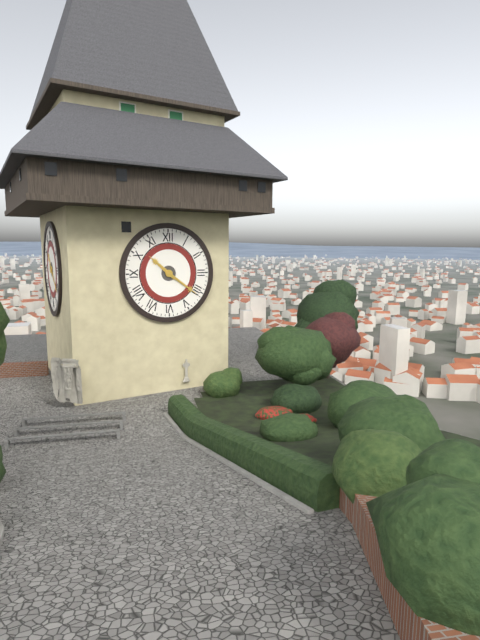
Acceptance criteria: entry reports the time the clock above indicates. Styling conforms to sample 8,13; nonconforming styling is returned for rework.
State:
10,21
